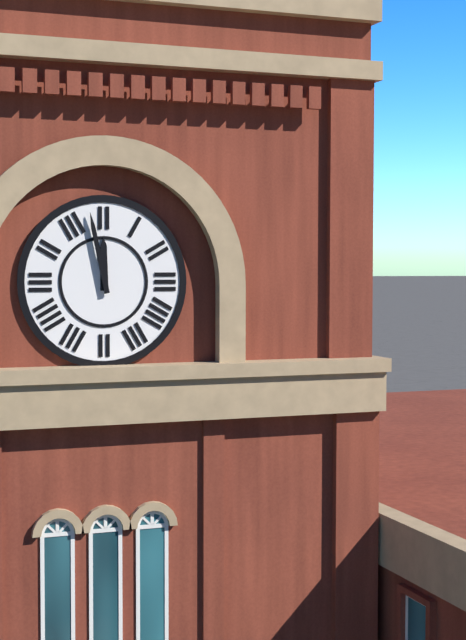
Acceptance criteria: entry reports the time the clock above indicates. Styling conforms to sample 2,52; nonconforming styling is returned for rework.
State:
11,58
